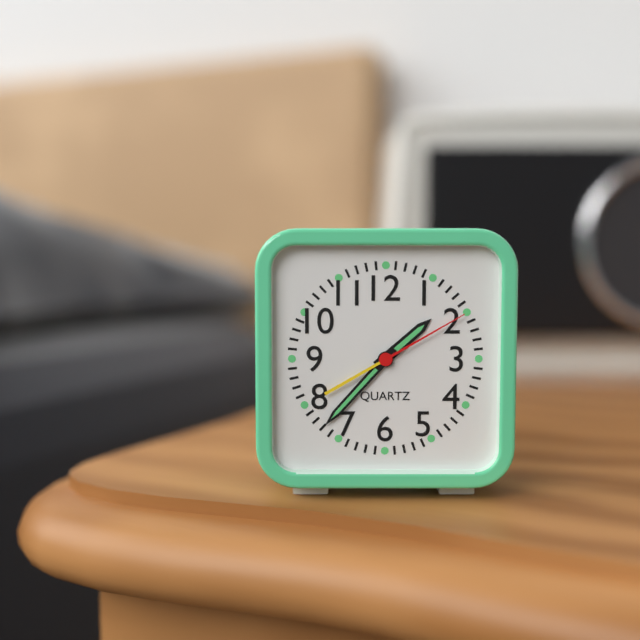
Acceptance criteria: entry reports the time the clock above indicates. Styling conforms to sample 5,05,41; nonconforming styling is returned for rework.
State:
1,37,10
